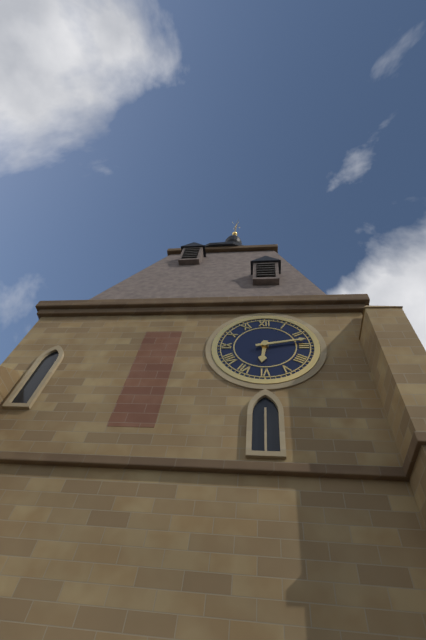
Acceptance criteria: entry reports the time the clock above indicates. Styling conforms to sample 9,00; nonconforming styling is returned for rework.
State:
6,13
